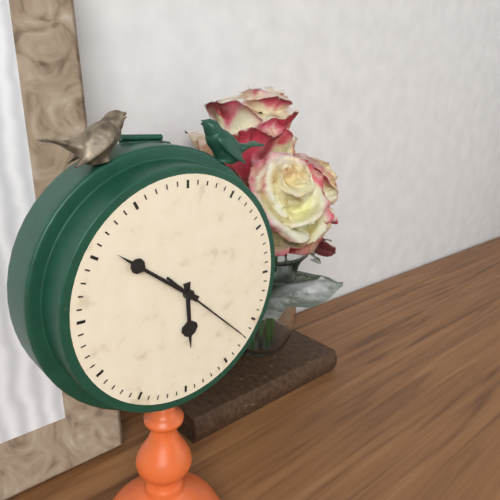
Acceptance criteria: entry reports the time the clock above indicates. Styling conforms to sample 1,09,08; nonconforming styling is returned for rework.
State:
5,51,22
